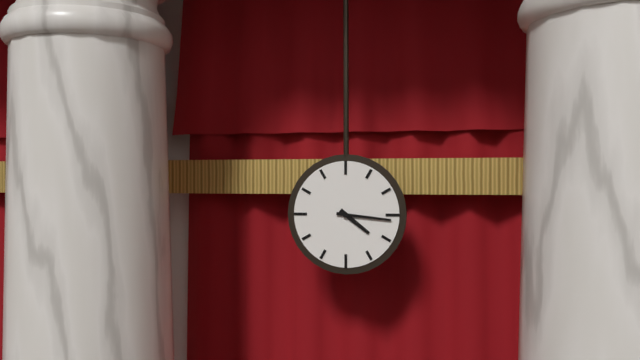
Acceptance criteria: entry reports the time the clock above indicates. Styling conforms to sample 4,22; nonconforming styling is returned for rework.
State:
4,16
